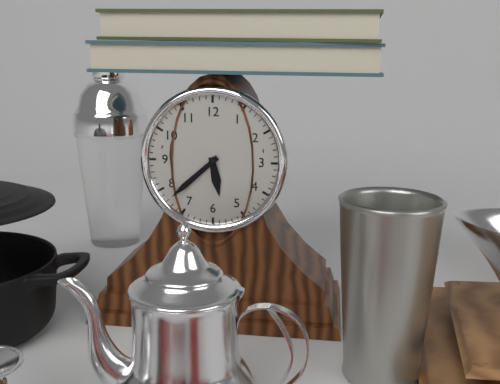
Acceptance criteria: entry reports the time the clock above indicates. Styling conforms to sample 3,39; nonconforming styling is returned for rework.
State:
5,38
